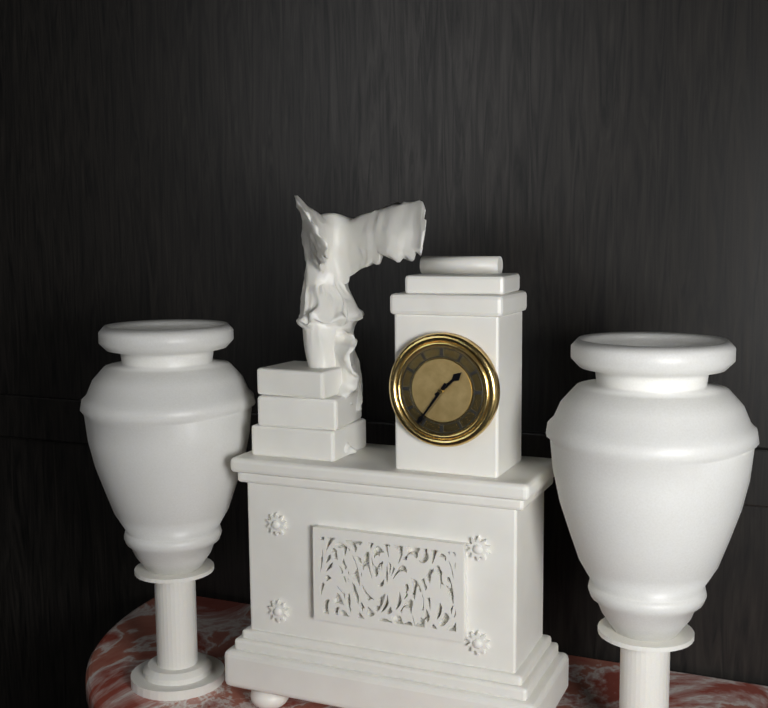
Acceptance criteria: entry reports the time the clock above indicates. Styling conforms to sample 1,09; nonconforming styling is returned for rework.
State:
1,36
